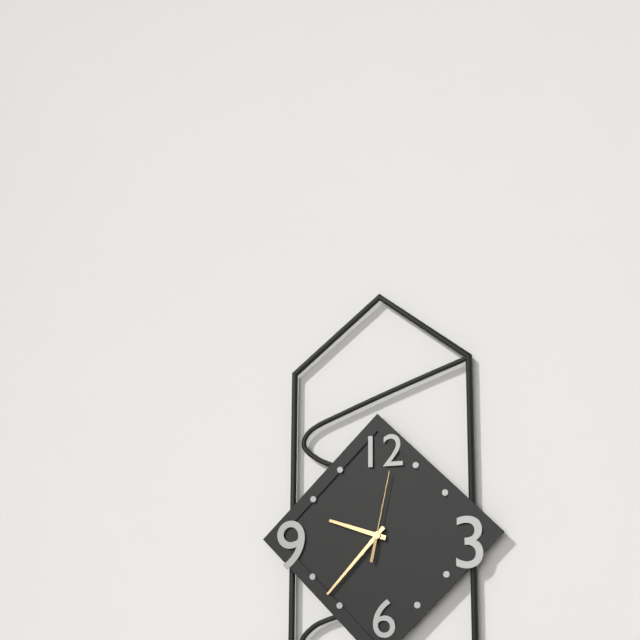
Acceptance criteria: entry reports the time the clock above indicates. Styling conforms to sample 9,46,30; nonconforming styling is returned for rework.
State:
9,37,02
